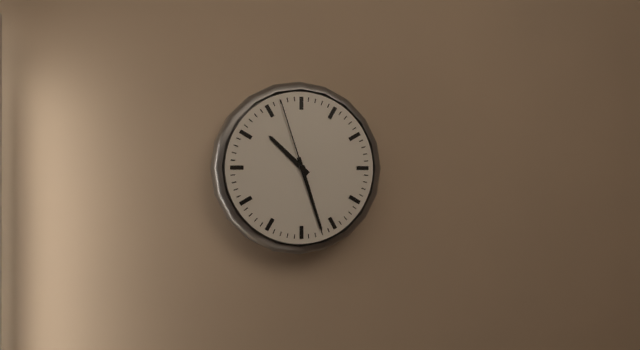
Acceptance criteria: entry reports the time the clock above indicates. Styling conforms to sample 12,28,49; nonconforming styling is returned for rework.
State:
10,27,57
